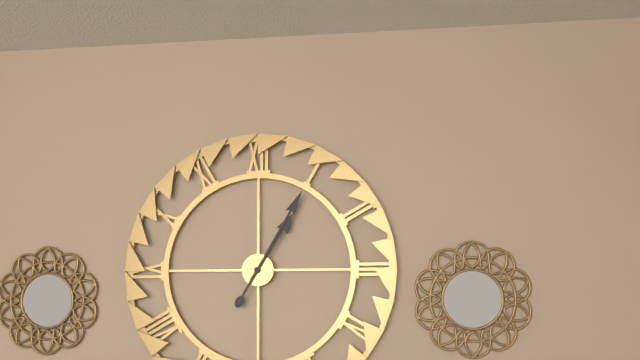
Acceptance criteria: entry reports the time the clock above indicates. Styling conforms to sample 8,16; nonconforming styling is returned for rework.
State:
1,05
